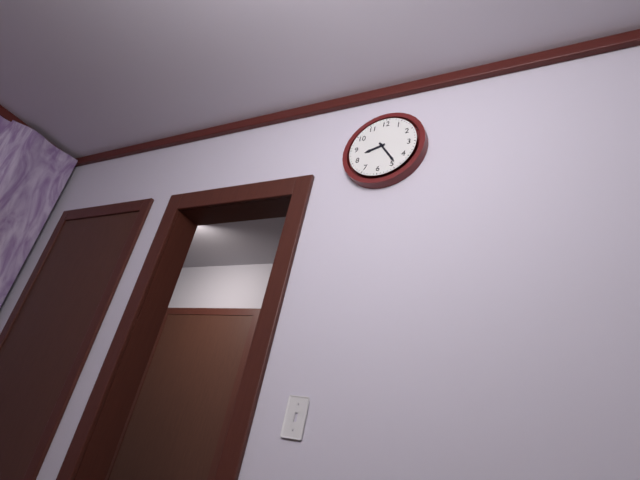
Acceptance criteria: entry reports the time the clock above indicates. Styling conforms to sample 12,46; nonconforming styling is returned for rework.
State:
8,24
